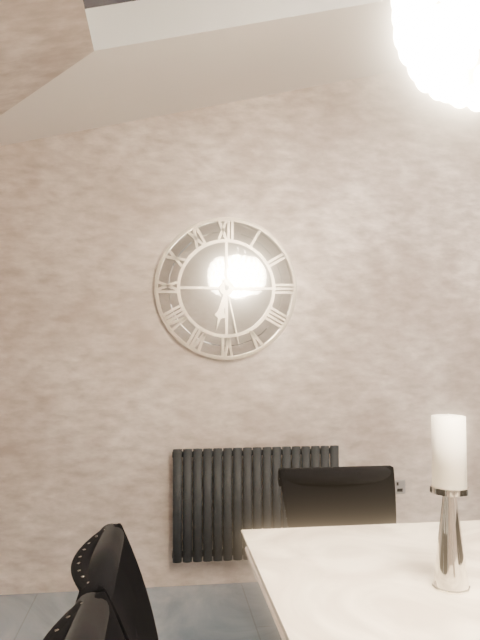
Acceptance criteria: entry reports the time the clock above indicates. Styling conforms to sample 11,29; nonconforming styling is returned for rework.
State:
6,28
